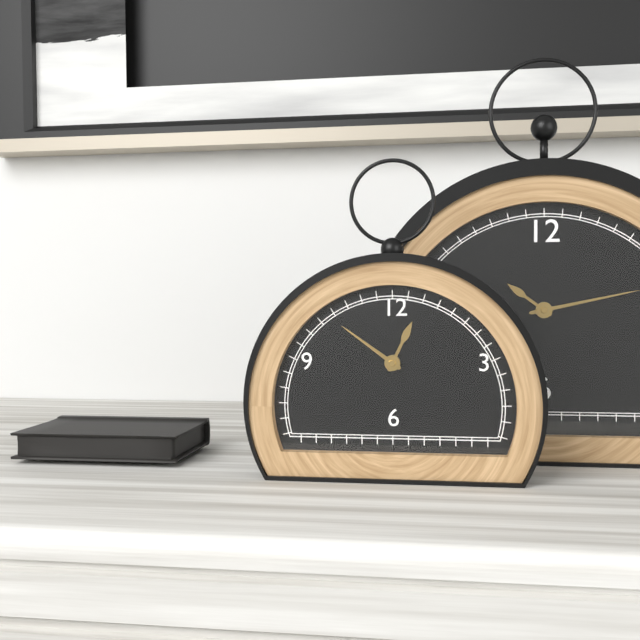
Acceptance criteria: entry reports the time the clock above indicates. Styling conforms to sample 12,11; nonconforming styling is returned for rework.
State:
12,51
